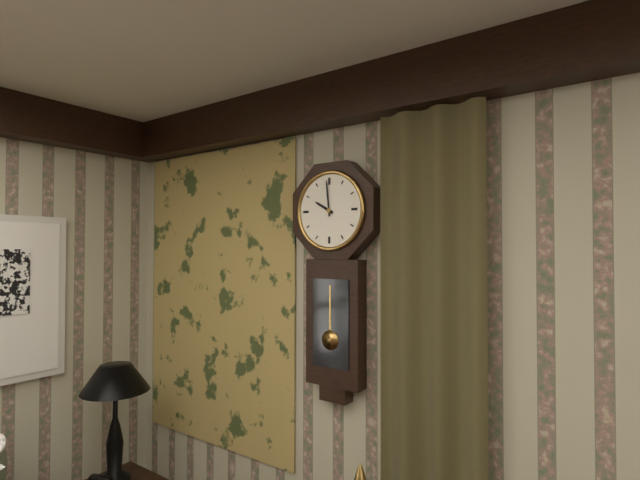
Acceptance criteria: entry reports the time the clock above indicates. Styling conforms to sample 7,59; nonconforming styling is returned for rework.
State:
9,59
